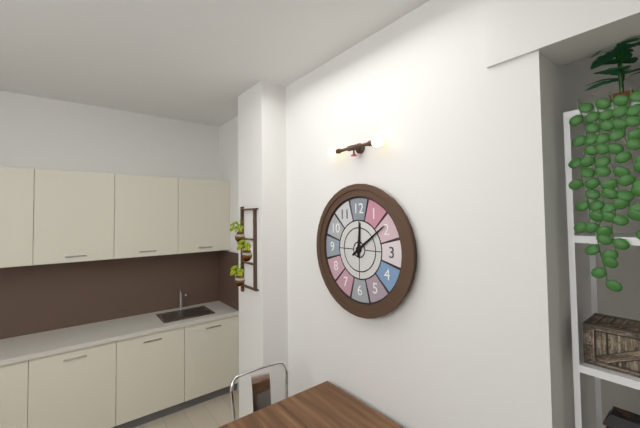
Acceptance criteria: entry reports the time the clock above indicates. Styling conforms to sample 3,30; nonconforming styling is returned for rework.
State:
12,09
